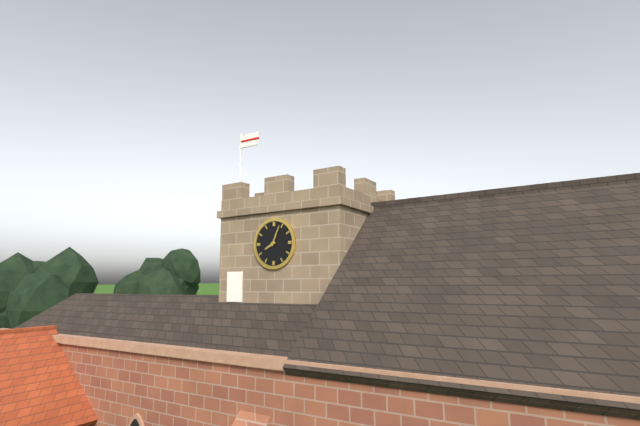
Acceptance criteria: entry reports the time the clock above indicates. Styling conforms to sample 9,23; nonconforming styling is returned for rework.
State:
8,04
